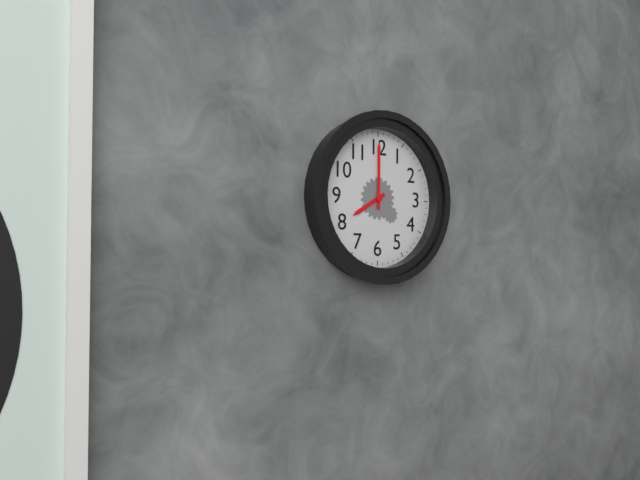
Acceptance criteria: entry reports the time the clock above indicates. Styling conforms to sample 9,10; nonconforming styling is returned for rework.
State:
8,00
